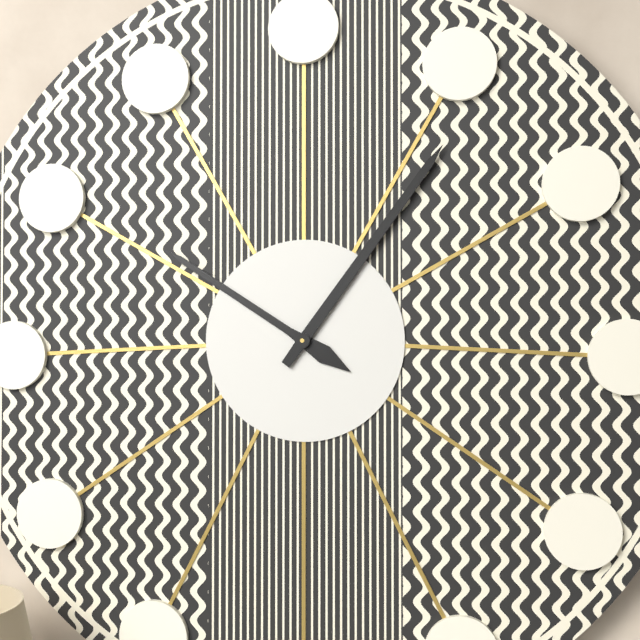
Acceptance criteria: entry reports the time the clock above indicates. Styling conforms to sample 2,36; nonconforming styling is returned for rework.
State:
10,06
